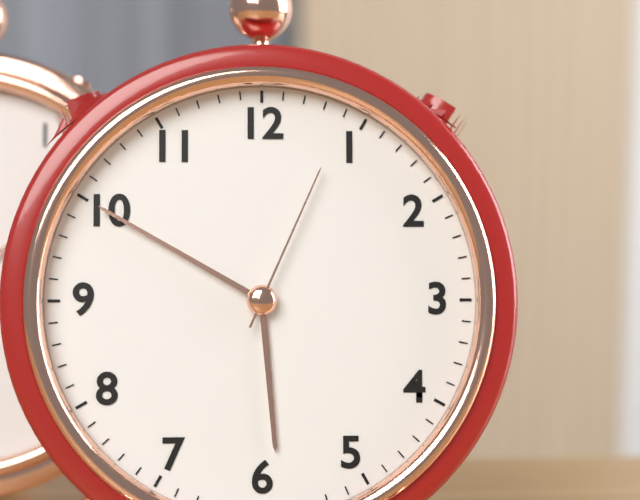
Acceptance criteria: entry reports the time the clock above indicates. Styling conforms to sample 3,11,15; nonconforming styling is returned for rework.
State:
5,50,04
